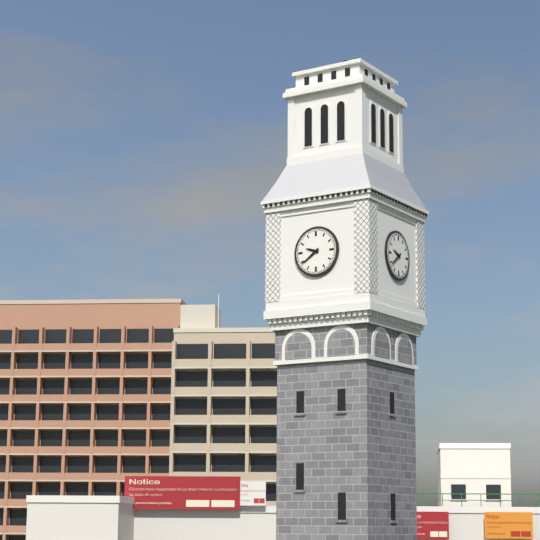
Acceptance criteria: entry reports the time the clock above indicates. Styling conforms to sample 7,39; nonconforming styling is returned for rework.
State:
9,39
